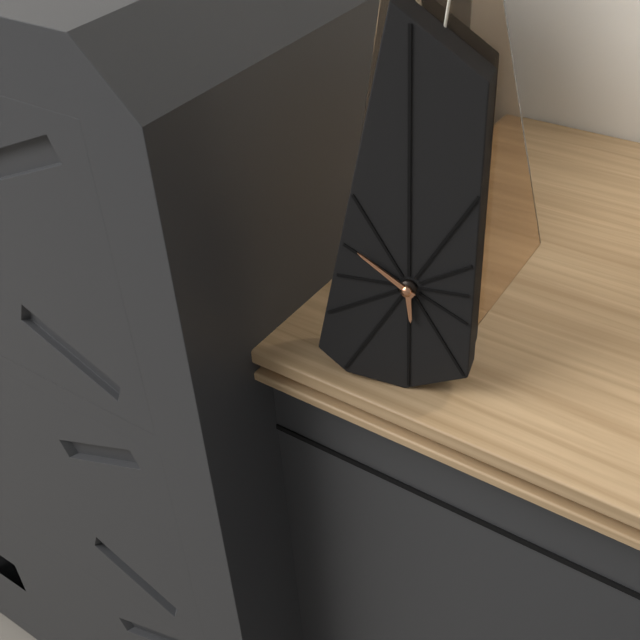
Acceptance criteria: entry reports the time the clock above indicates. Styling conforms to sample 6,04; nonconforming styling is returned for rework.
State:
5,51
